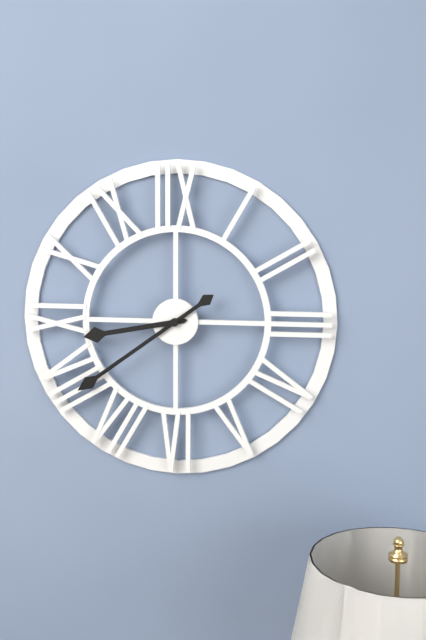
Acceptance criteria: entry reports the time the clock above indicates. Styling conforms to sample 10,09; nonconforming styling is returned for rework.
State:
8,39
